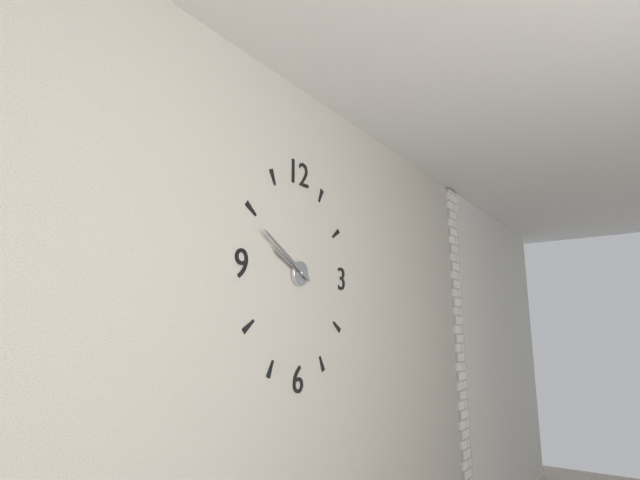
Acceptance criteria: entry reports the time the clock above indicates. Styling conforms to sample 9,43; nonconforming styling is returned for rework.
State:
9,50
